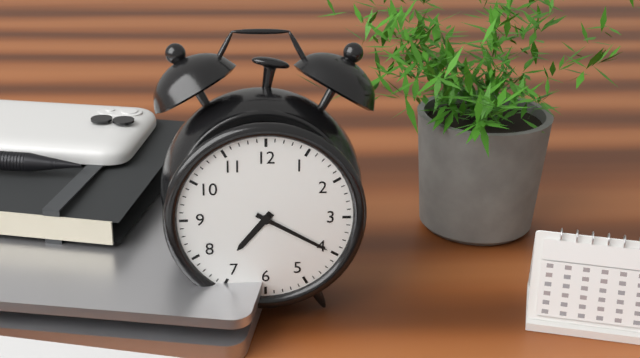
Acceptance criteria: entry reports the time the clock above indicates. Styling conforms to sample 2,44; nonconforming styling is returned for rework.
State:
7,20
